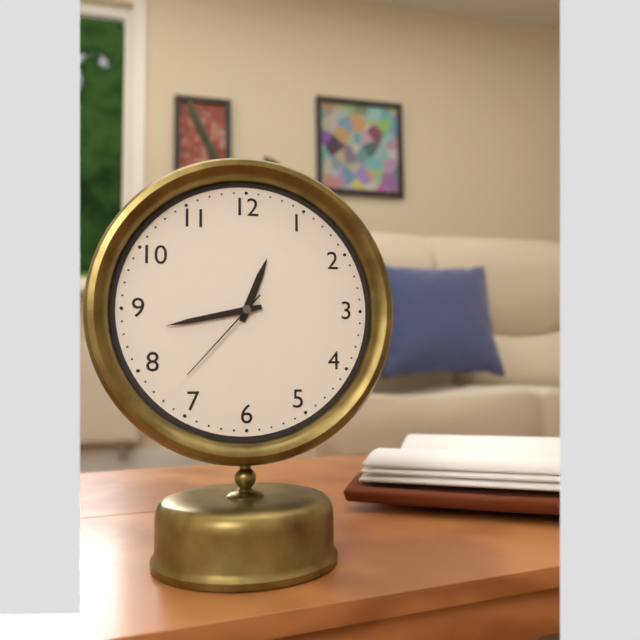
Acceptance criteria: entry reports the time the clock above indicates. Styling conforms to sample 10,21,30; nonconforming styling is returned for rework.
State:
12,43,37
